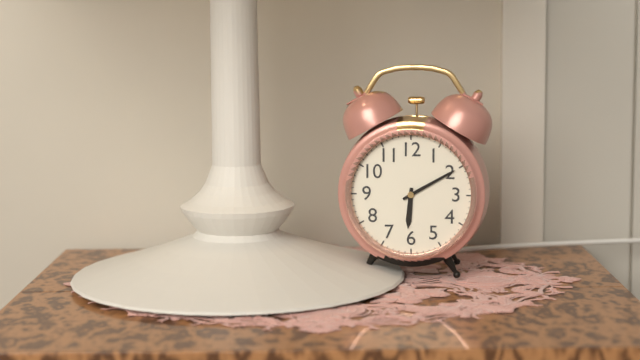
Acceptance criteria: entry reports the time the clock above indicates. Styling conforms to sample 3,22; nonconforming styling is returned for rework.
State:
6,10
